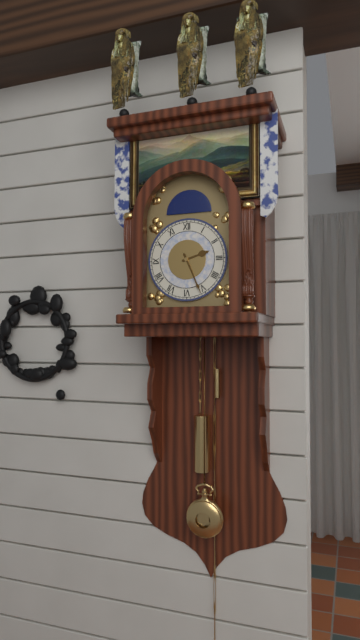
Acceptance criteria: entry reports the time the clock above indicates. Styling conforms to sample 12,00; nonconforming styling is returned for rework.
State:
2,26
